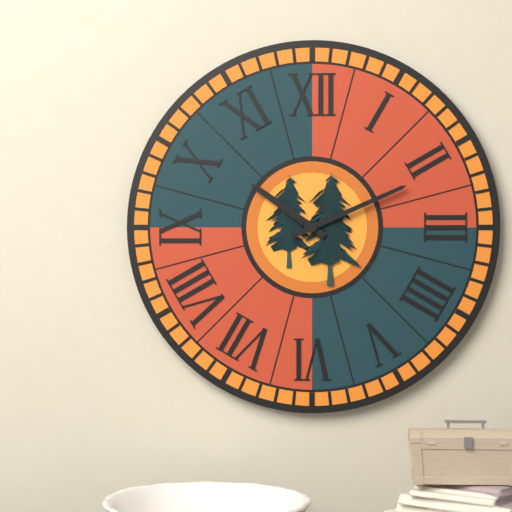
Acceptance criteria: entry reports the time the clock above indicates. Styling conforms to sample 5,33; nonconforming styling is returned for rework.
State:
10,11
